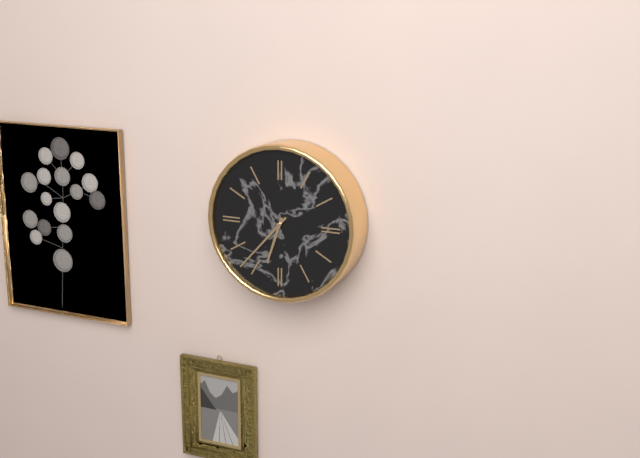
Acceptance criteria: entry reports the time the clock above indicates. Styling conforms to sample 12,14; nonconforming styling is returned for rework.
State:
6,37
